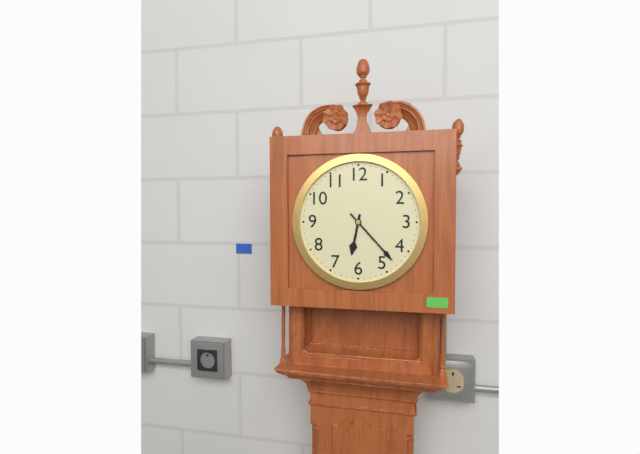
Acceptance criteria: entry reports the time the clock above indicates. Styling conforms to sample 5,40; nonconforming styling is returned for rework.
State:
6,23
